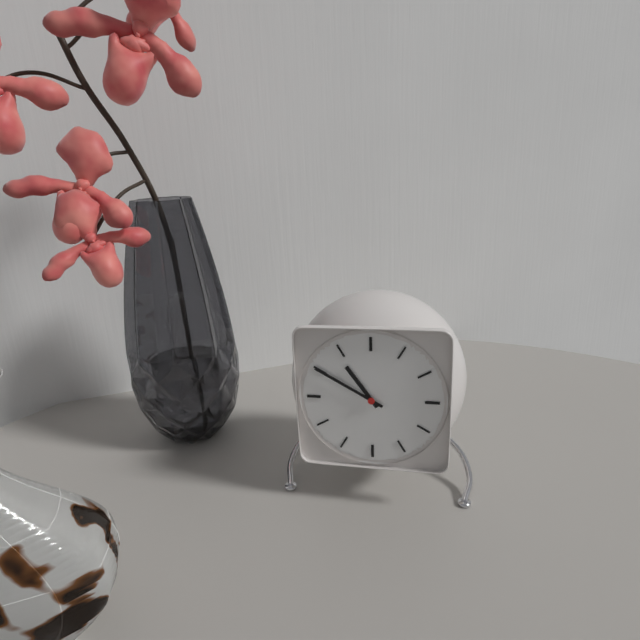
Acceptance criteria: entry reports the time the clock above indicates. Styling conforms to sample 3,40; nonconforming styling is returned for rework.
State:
10,50
